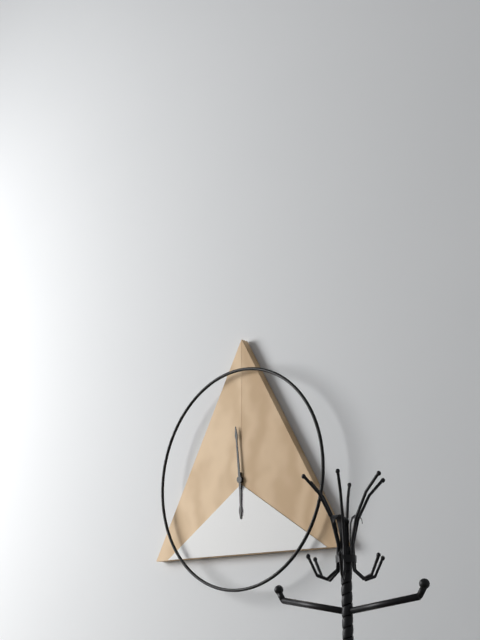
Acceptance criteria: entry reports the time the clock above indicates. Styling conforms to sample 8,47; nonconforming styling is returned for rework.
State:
5,59
